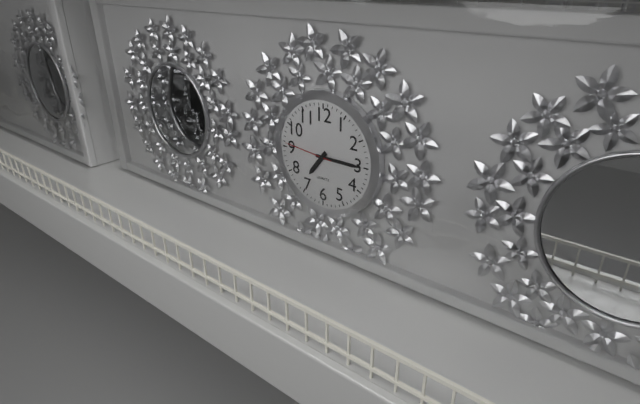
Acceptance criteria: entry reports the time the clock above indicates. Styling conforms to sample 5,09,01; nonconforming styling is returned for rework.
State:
7,15,46
